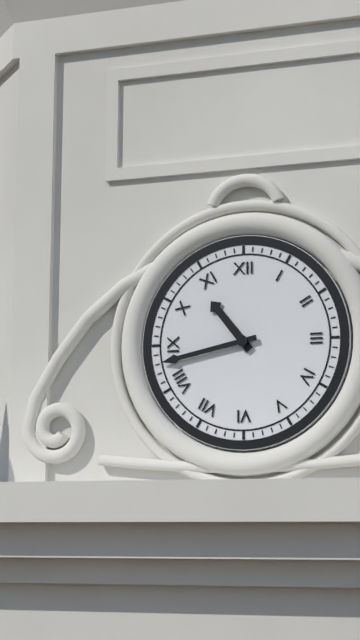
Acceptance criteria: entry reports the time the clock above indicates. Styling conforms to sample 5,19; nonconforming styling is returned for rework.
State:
10,43
